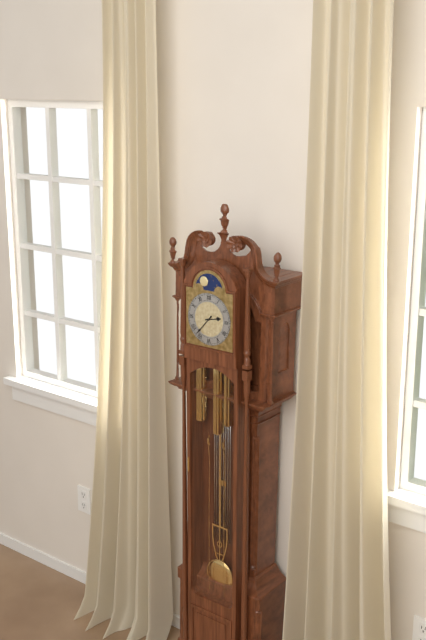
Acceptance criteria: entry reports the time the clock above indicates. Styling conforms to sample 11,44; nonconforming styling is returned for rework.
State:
2,37
